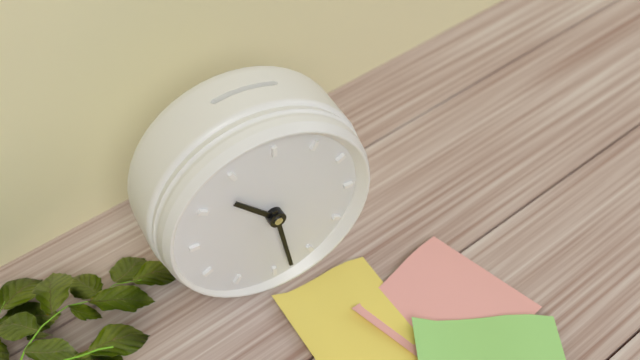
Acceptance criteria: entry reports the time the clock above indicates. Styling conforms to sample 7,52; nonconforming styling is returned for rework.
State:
10,28
